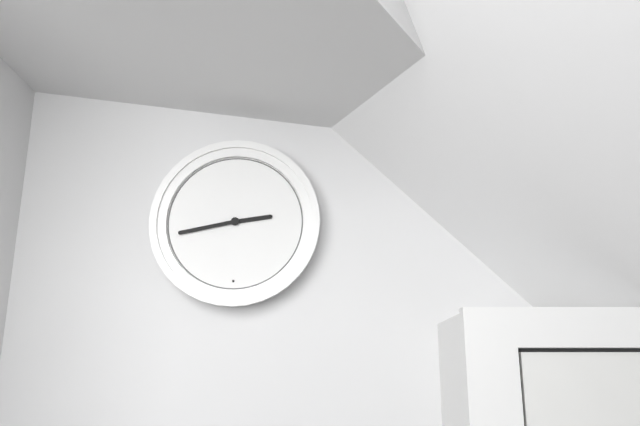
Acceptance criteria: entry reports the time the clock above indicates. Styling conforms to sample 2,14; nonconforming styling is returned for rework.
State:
2,43
